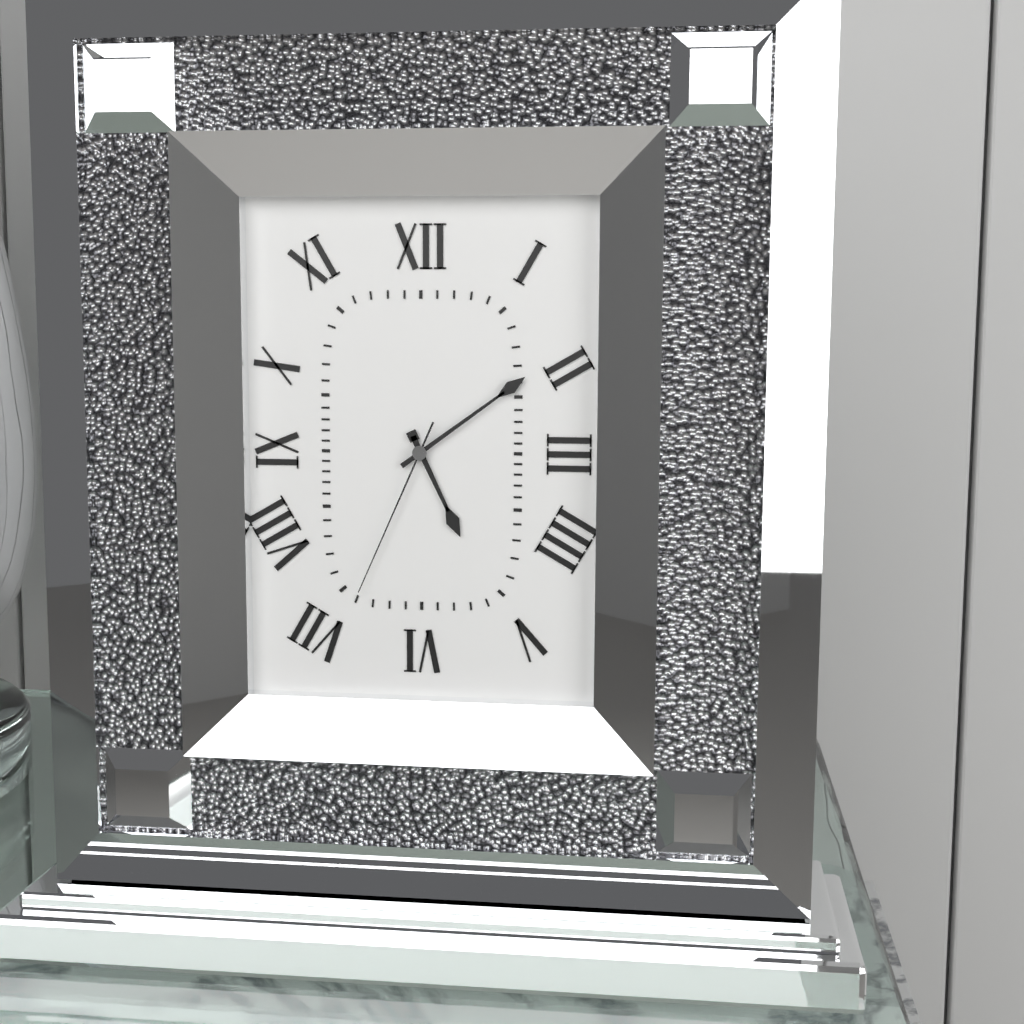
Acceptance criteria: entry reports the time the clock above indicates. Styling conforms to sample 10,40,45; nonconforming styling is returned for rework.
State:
5,09,34
